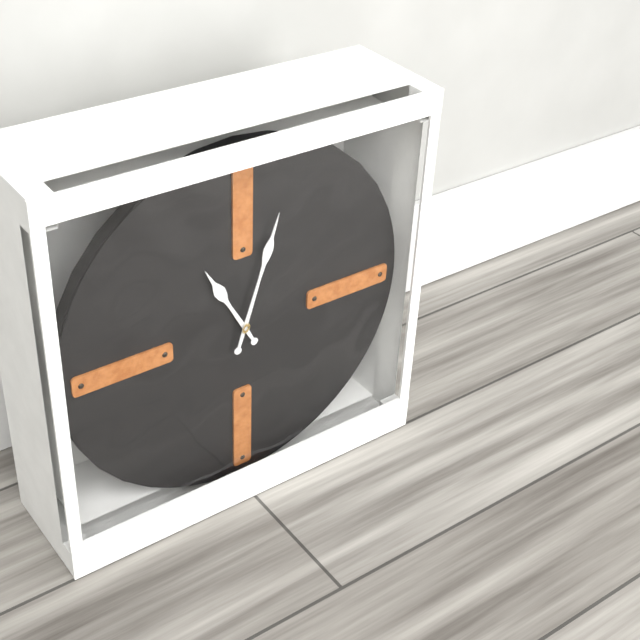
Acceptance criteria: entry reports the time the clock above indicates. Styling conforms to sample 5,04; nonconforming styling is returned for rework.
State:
11,03
